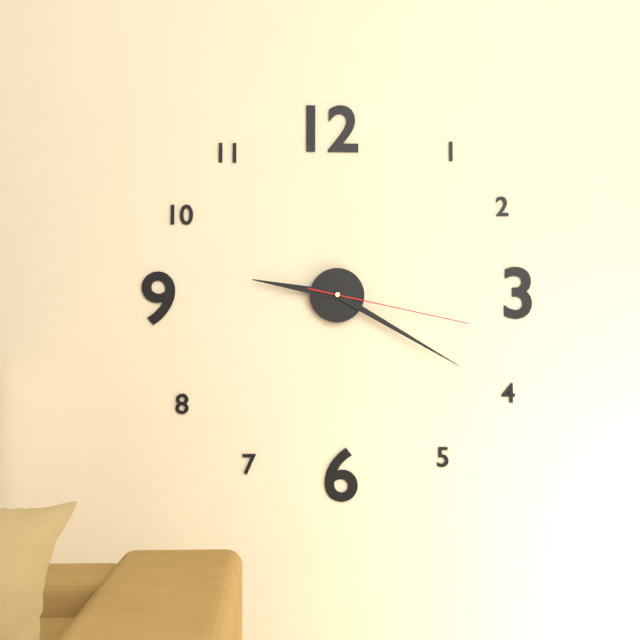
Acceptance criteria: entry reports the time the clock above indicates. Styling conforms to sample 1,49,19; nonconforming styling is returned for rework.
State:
9,20,17
